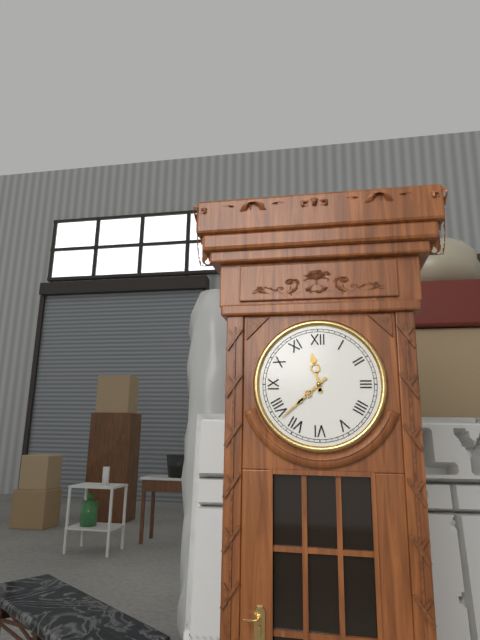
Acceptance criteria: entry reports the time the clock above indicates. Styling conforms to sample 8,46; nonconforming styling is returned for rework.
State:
11,38
